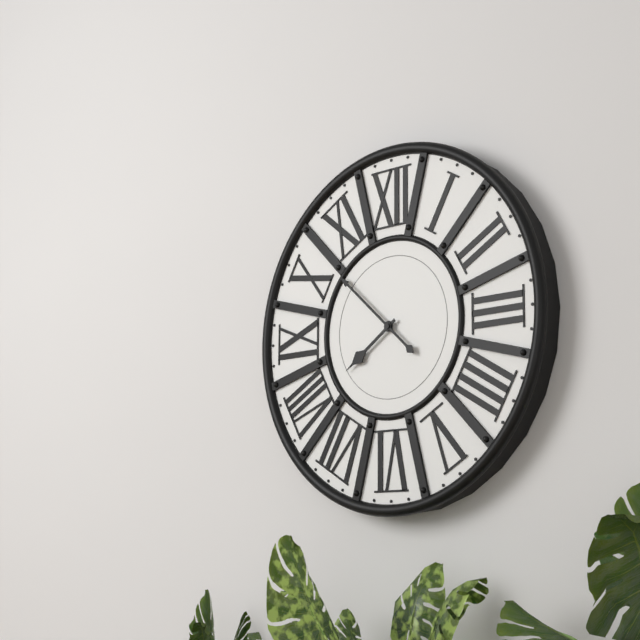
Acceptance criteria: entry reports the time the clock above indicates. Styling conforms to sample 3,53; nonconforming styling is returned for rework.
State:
7,52
